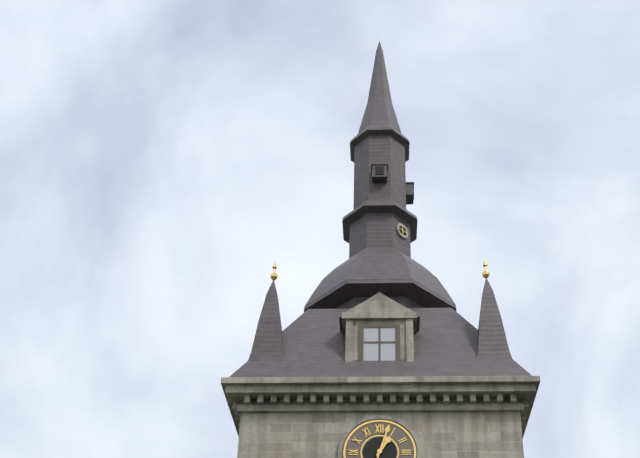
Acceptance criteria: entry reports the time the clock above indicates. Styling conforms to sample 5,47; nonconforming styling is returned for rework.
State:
1,03
